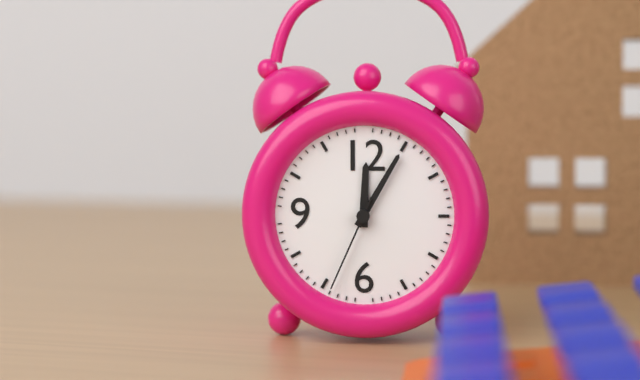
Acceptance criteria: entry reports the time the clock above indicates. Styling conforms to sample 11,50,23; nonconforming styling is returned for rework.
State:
12,05,34
